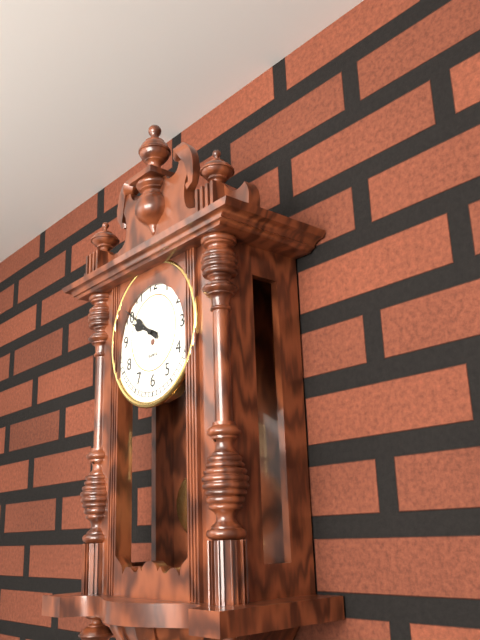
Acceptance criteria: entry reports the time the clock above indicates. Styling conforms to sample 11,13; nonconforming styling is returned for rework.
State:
9,51
